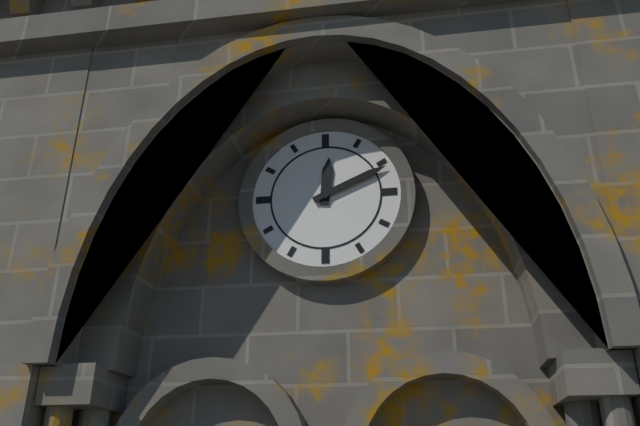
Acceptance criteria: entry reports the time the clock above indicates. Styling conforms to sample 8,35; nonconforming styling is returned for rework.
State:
12,11
